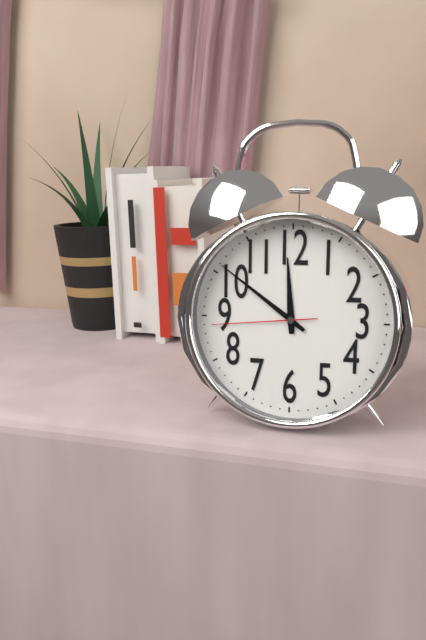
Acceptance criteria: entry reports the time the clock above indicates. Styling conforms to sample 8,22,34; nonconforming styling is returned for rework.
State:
11,51,44
